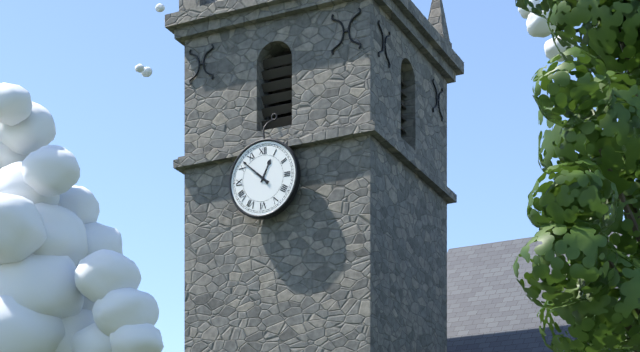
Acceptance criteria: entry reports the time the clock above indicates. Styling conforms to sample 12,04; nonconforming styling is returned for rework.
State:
12,52
